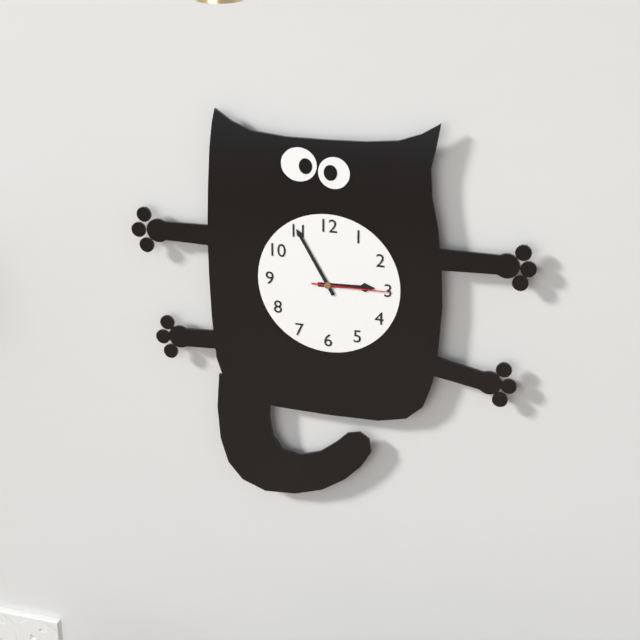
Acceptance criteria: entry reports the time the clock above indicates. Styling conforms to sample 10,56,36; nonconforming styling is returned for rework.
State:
2,55,15
